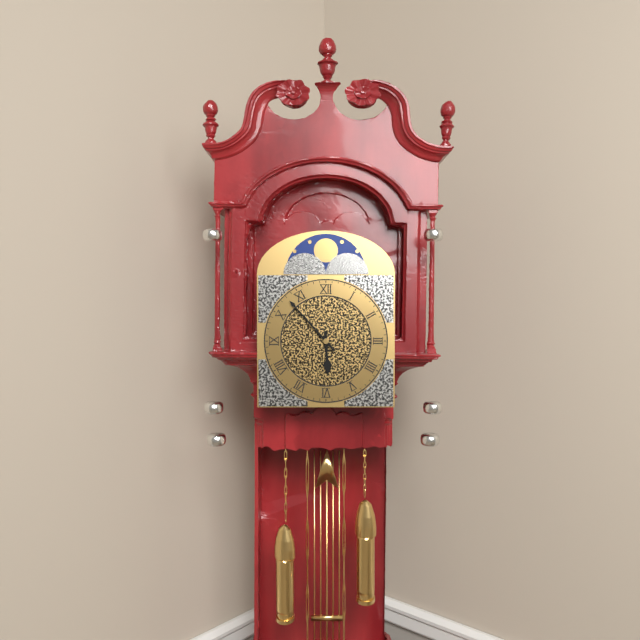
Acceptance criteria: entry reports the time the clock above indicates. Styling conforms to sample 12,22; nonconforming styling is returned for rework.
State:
5,53
